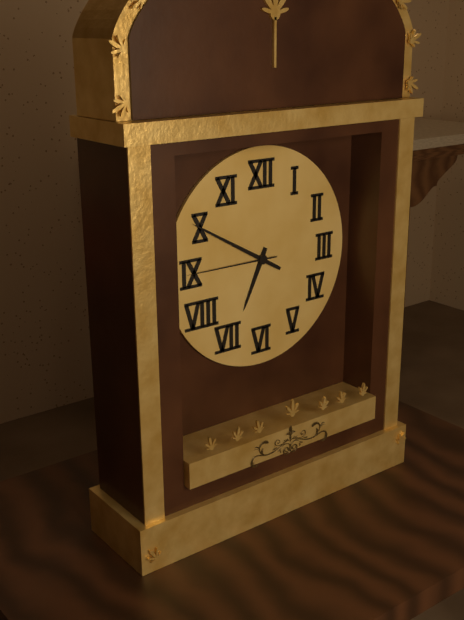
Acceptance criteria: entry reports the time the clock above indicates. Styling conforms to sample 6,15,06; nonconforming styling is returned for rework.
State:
6,50,45
